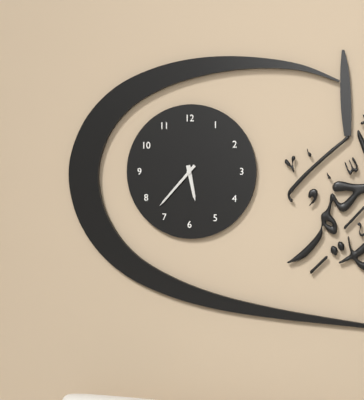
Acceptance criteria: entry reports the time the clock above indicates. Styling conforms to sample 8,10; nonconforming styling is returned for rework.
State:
5,37
